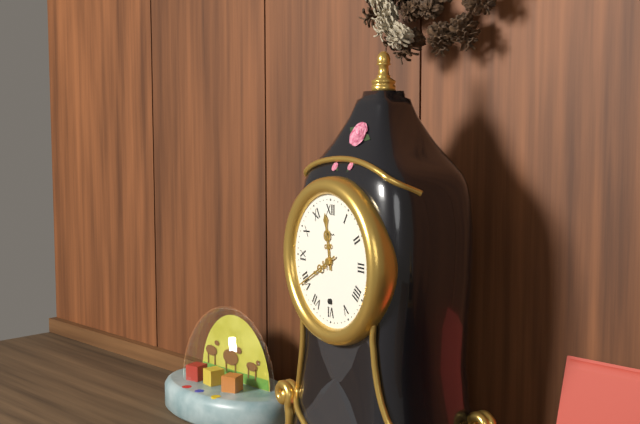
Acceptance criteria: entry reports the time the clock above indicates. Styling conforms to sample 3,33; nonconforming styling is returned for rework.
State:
11,40
